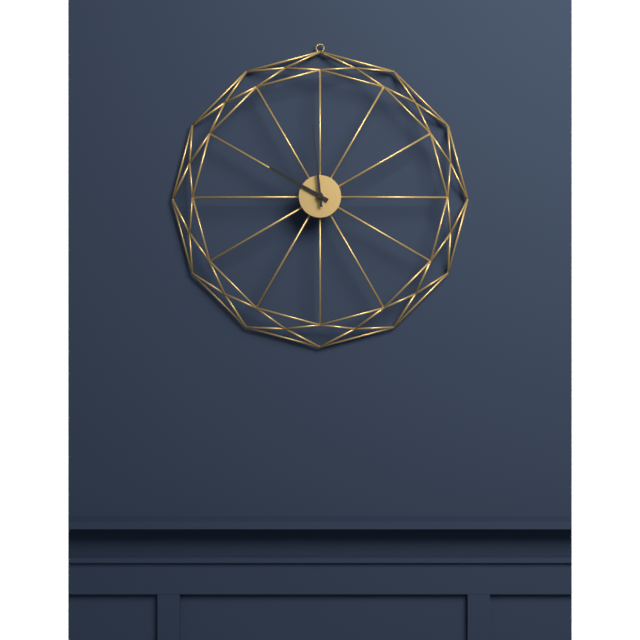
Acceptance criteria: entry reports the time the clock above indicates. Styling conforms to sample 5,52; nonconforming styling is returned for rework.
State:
9,59
